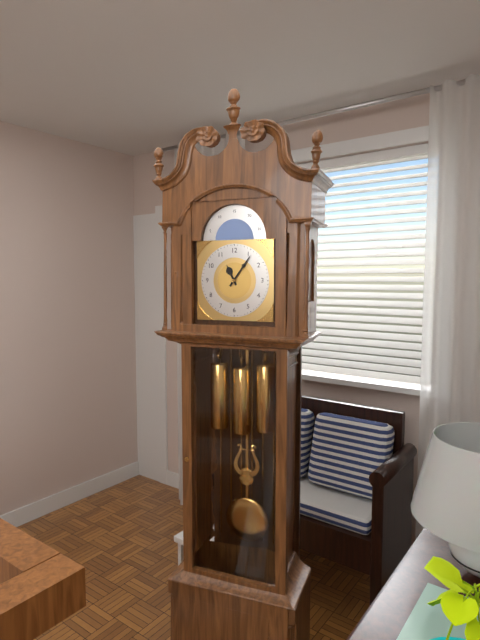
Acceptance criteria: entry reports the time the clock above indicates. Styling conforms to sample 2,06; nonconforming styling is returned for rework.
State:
11,06
